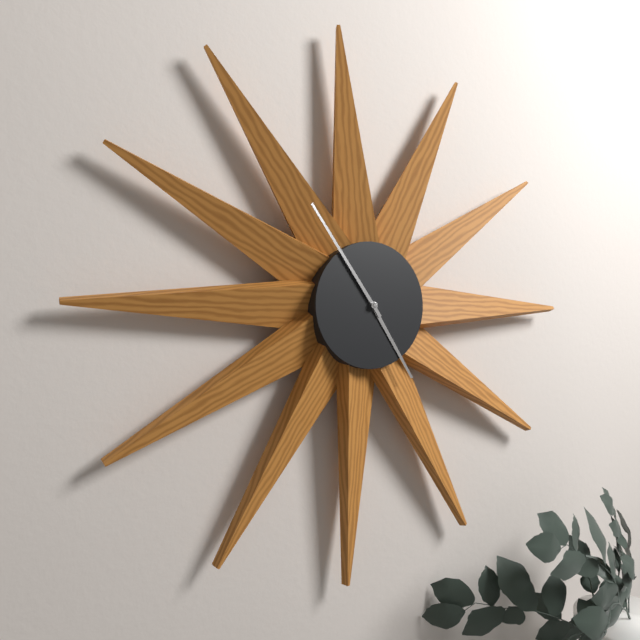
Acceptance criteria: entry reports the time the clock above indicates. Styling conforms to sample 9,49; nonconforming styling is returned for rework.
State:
4,54
